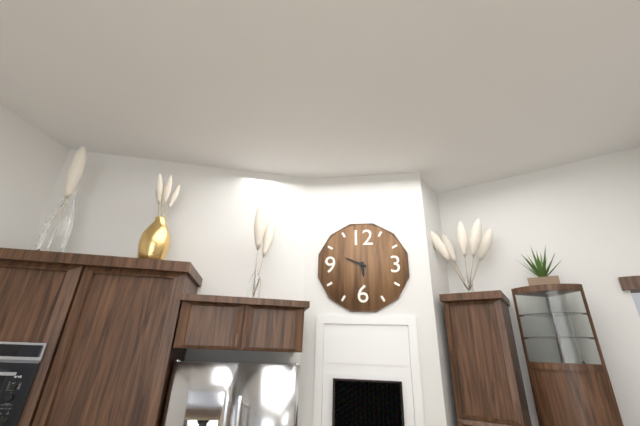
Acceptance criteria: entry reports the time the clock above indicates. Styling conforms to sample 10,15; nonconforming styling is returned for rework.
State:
5,49
